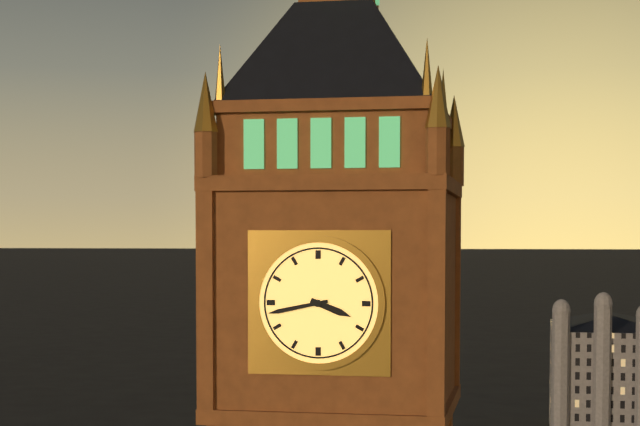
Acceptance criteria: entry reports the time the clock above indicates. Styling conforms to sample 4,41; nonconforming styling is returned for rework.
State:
3,43
